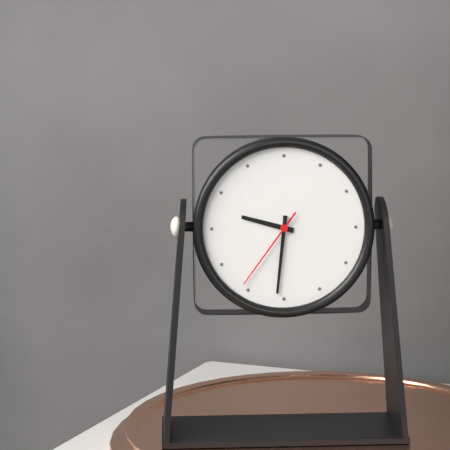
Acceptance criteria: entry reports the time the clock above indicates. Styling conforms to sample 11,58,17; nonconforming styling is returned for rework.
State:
9,31,36
